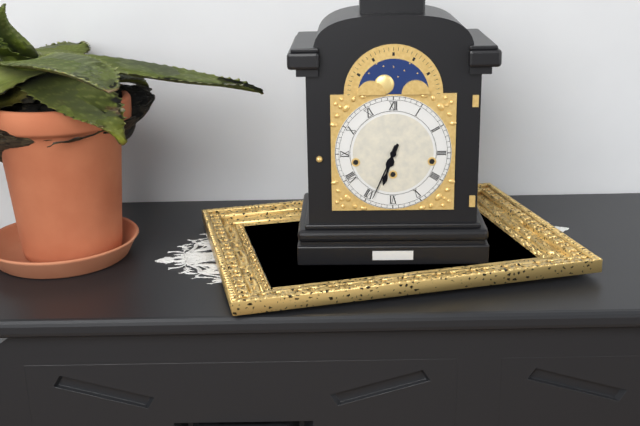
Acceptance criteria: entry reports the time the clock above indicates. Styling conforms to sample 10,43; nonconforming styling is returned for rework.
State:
6,34
